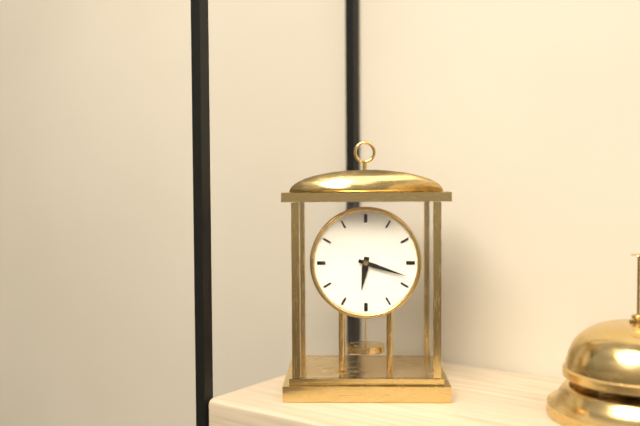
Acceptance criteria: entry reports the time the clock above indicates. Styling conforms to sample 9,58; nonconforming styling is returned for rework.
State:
6,18
